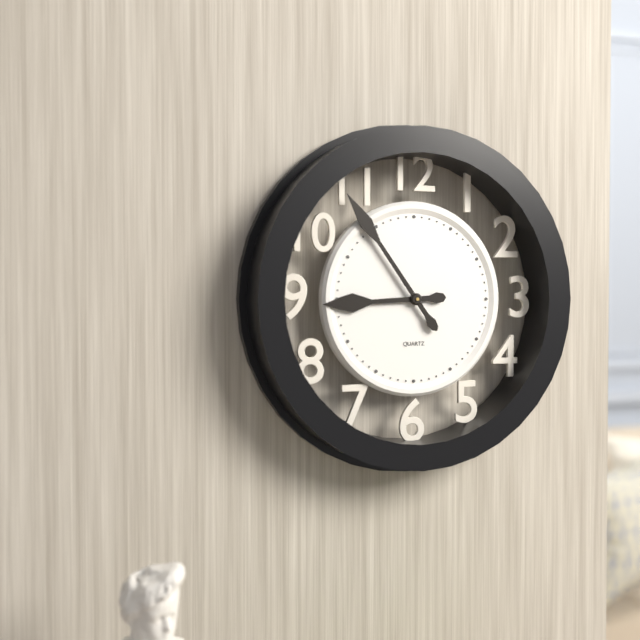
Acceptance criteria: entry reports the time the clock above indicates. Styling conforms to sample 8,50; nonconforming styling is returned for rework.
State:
8,54
